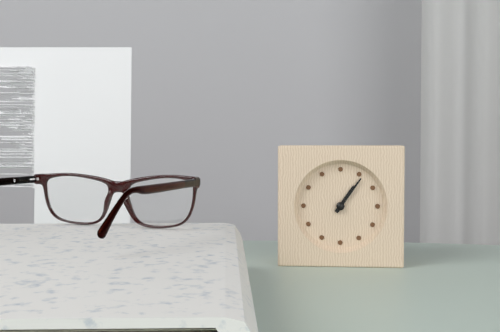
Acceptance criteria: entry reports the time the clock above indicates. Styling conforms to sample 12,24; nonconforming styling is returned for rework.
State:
1,06
